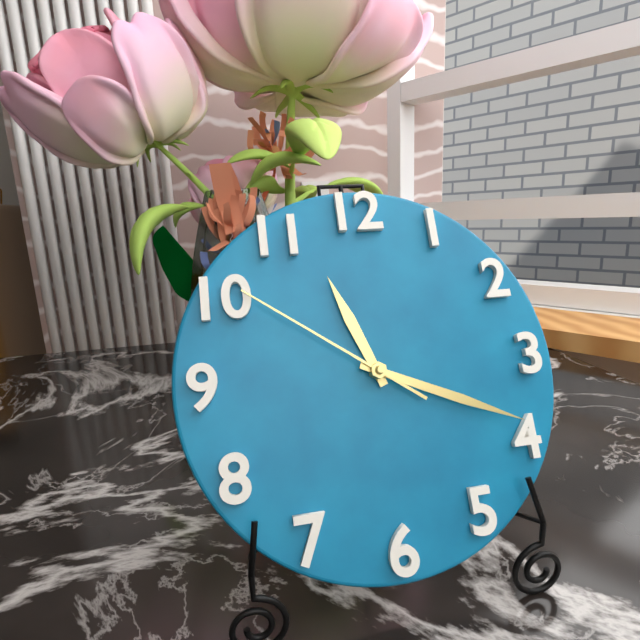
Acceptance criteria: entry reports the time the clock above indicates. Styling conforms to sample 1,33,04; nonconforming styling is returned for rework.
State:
11,19,51
